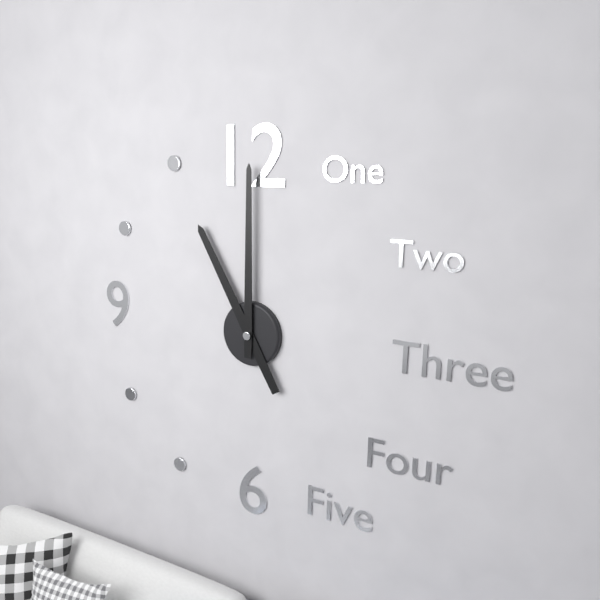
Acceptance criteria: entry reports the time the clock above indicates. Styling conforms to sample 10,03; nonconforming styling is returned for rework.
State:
11,00
